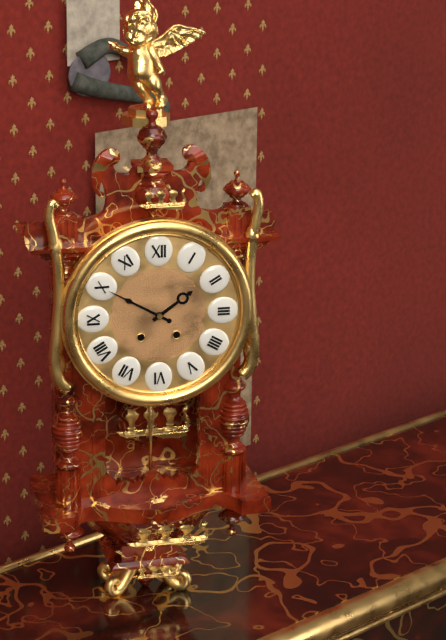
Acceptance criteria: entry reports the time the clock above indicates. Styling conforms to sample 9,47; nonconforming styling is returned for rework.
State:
1,50
